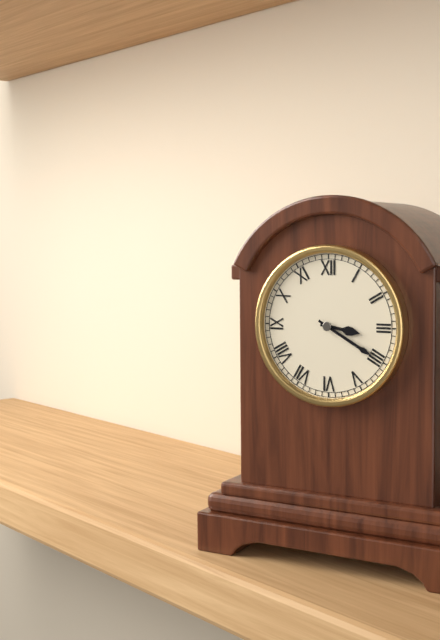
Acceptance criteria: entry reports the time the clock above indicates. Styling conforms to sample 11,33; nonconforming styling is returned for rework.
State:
3,20
